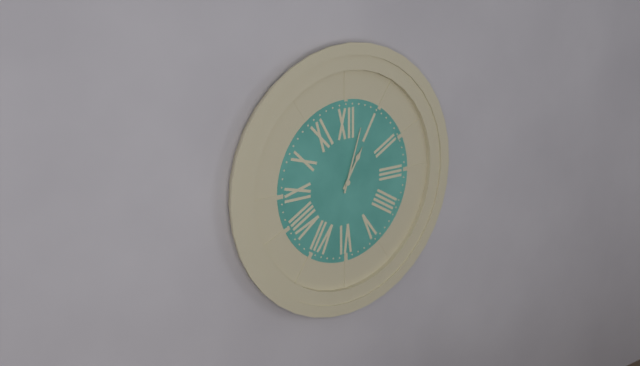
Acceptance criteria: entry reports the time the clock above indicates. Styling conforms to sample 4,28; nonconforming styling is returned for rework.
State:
1,03
